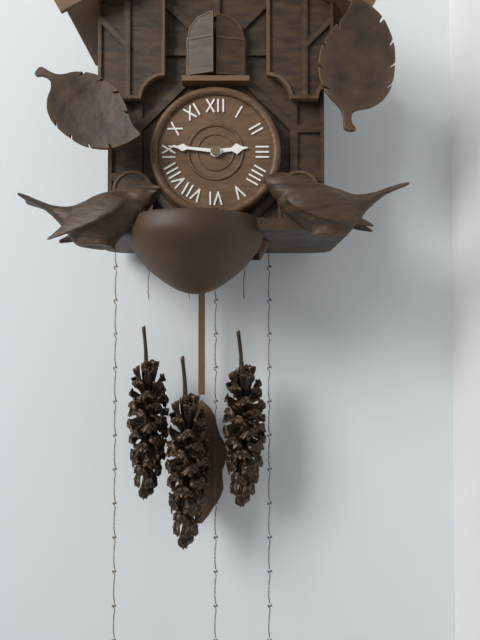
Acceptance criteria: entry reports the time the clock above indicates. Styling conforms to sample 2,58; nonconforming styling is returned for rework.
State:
2,46
